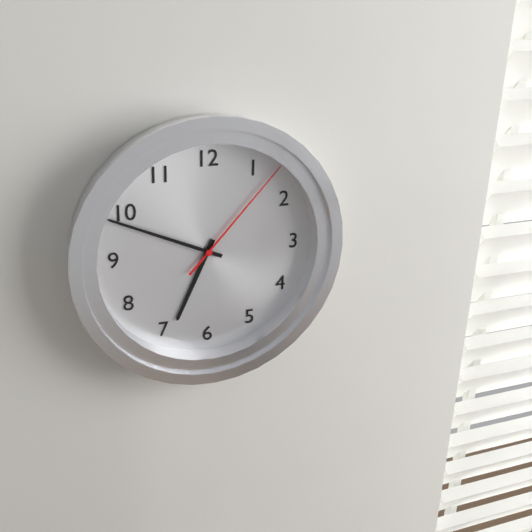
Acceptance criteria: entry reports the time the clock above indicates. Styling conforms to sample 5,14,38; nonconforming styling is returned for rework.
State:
6,49,07
